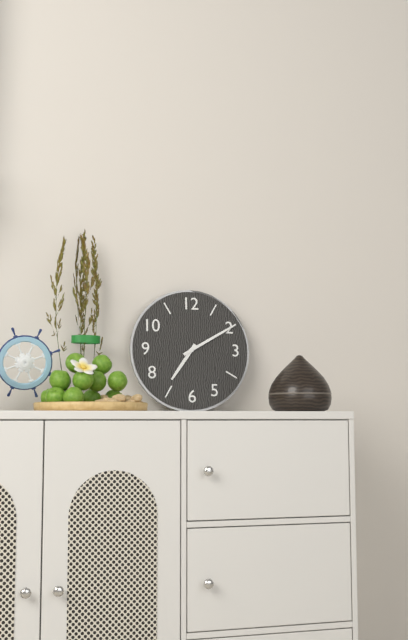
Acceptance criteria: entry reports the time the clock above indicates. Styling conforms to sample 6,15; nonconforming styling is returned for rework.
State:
7,10
